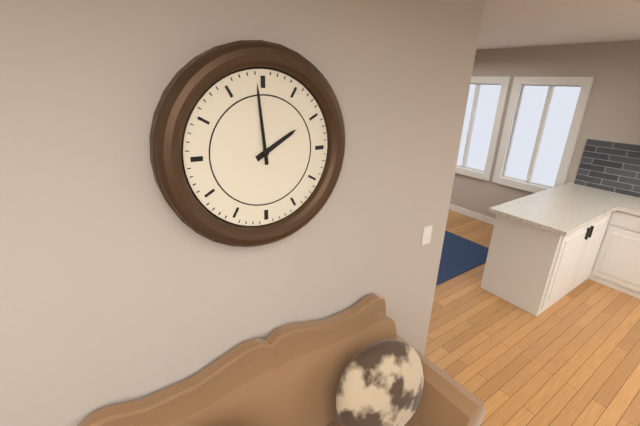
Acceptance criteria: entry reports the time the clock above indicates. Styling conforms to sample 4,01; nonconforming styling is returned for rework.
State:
1,59
